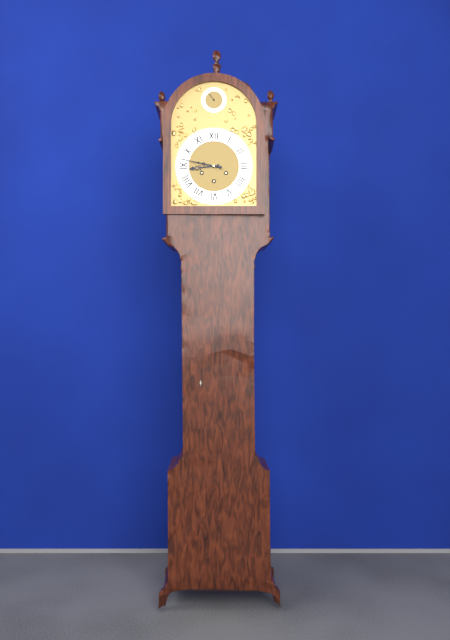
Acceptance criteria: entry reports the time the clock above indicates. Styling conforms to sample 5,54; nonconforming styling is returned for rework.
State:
8,47
